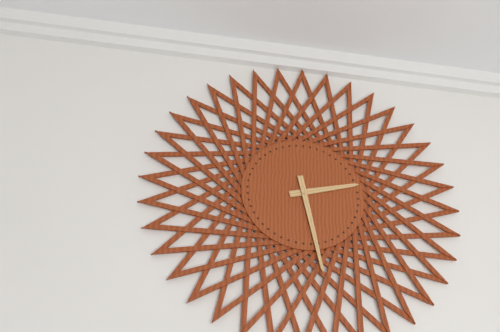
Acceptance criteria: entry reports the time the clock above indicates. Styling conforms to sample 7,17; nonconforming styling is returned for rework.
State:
2,28
